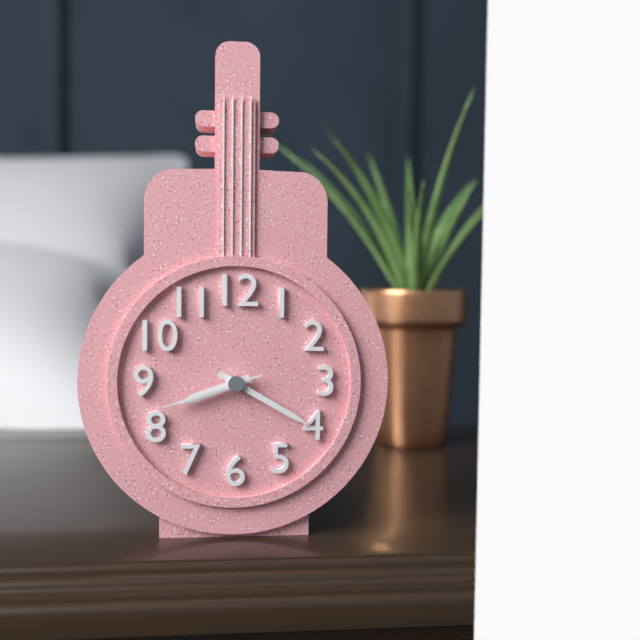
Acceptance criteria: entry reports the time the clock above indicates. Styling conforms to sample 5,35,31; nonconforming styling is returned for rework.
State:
8,20,42
